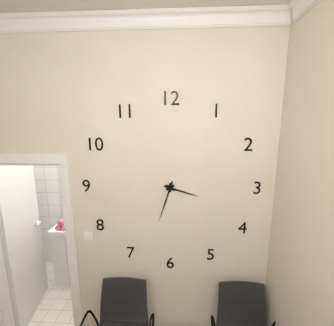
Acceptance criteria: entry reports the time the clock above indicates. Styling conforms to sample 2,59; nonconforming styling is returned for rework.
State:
3,33
